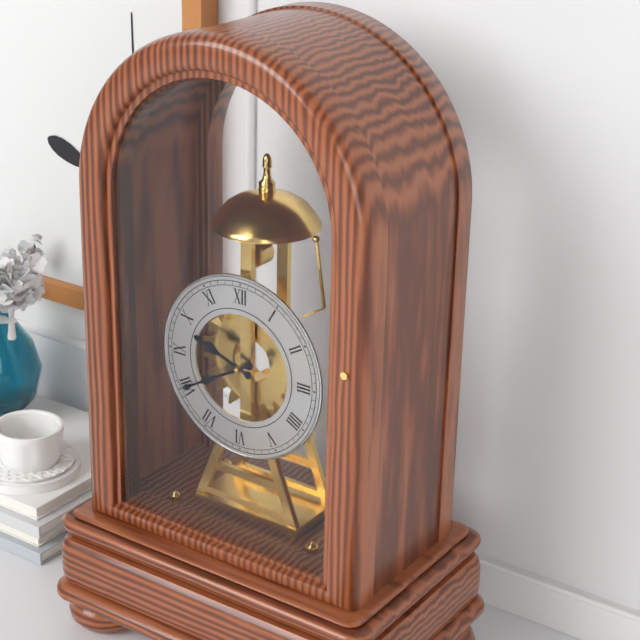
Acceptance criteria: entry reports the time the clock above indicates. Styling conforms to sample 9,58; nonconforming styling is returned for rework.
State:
9,40
